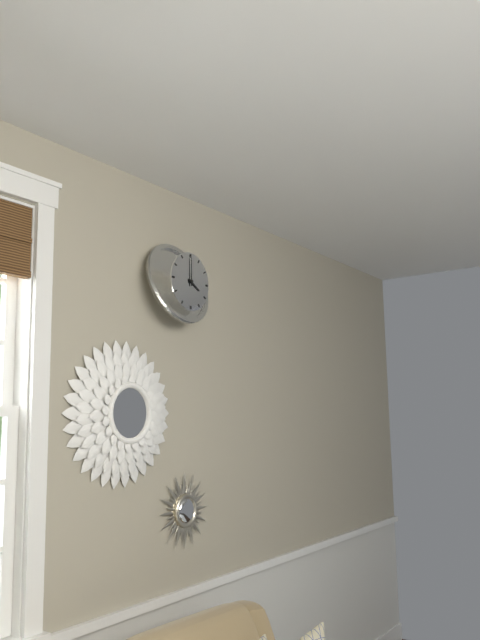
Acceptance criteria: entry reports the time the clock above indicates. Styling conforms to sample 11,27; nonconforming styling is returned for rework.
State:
4,00
